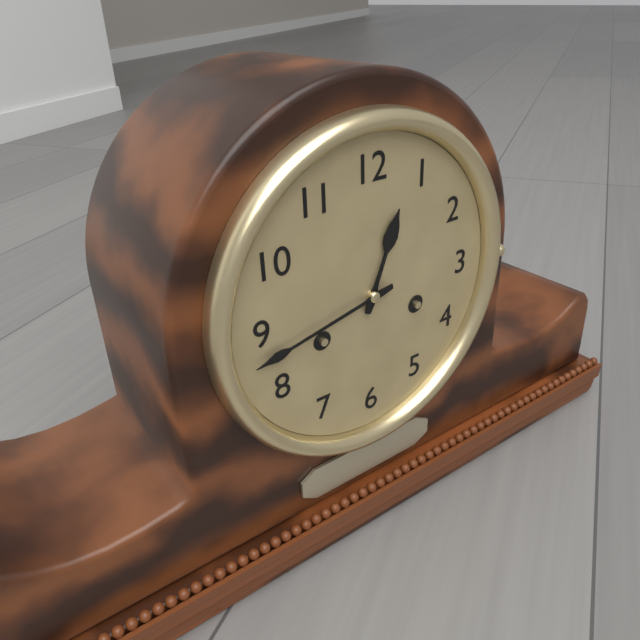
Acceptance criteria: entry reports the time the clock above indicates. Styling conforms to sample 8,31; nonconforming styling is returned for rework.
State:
12,43
